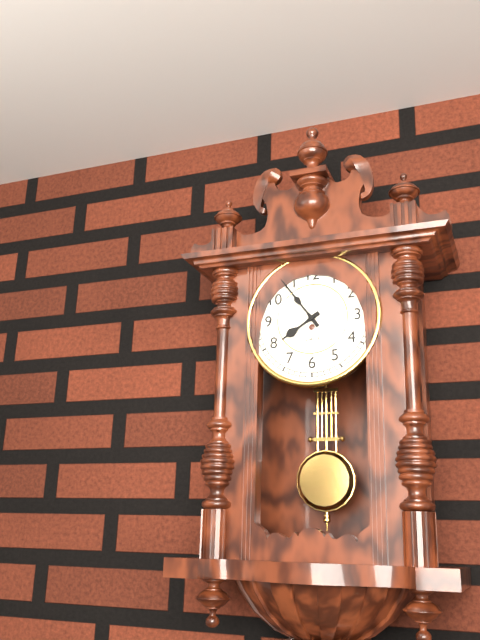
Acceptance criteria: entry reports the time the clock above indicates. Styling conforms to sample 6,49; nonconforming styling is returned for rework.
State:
7,54
